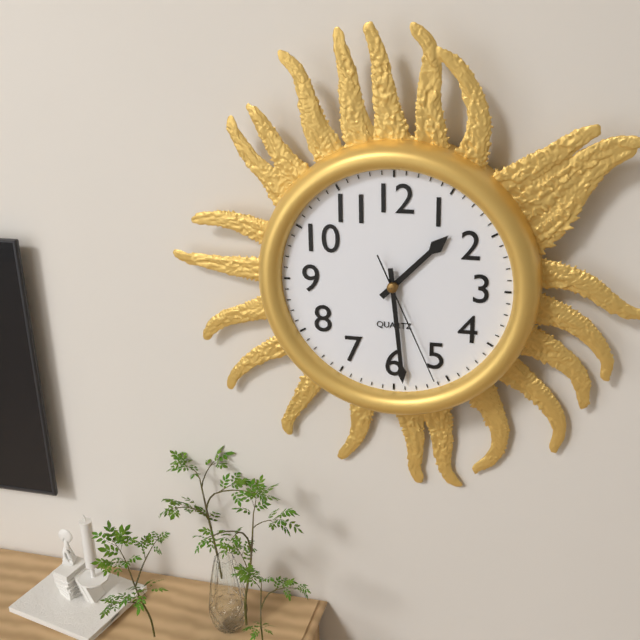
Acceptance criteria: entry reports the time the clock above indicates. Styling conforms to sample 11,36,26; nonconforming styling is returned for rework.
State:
1,29,26
